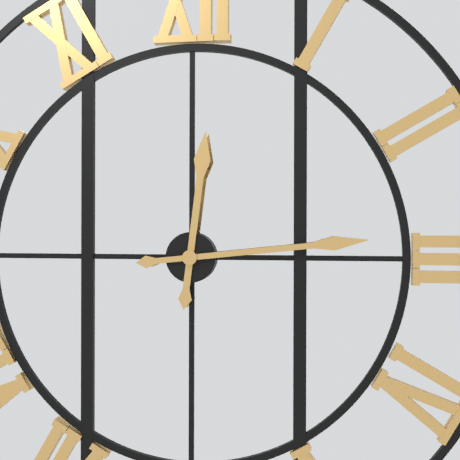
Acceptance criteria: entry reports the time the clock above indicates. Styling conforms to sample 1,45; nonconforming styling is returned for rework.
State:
12,14
